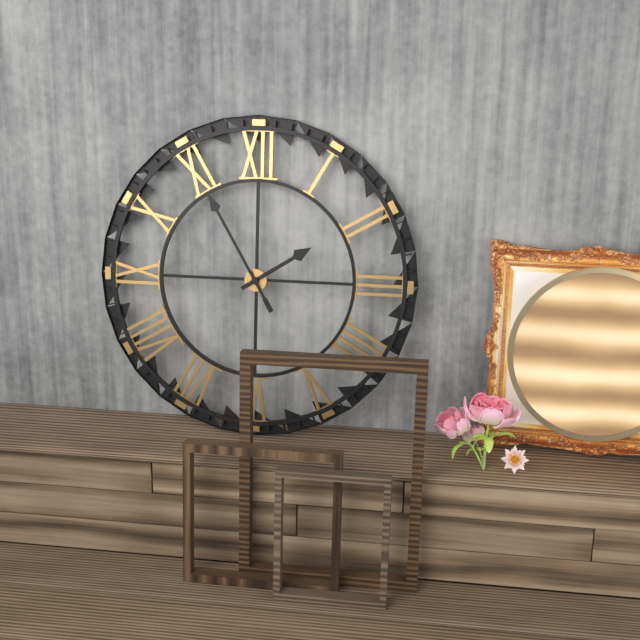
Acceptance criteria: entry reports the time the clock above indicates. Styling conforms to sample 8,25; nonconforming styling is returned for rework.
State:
1,55
